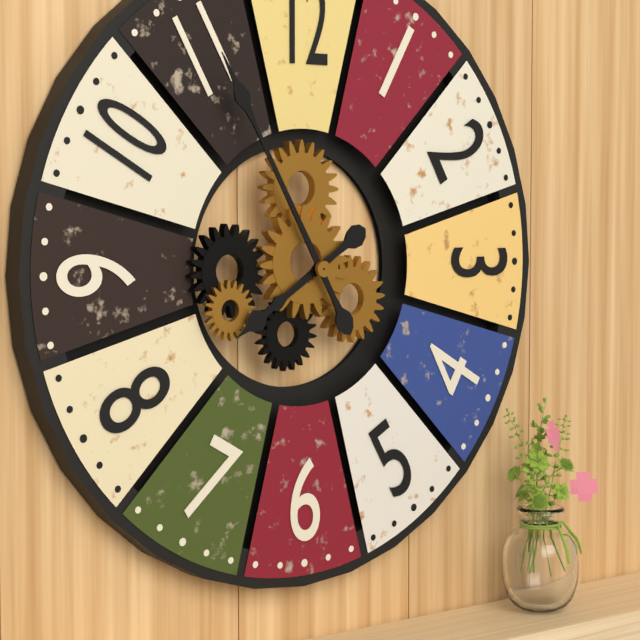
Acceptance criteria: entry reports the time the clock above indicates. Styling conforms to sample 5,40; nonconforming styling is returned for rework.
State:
7,55
